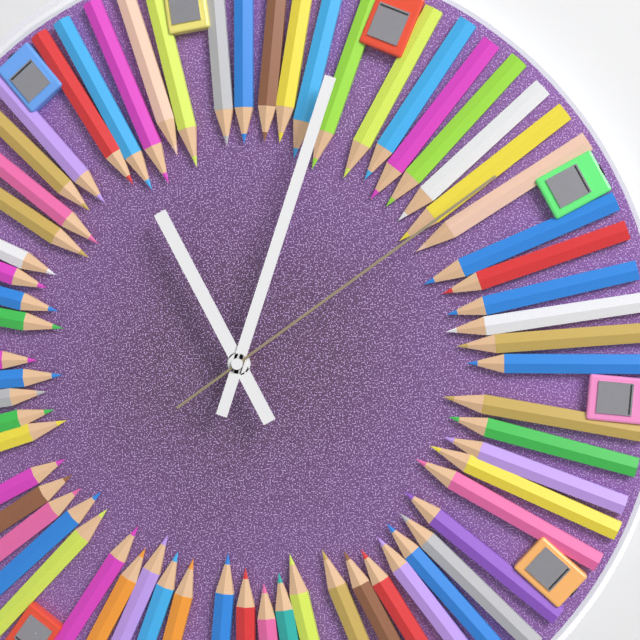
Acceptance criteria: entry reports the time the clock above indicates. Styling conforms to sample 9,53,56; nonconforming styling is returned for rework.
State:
11,03,09
